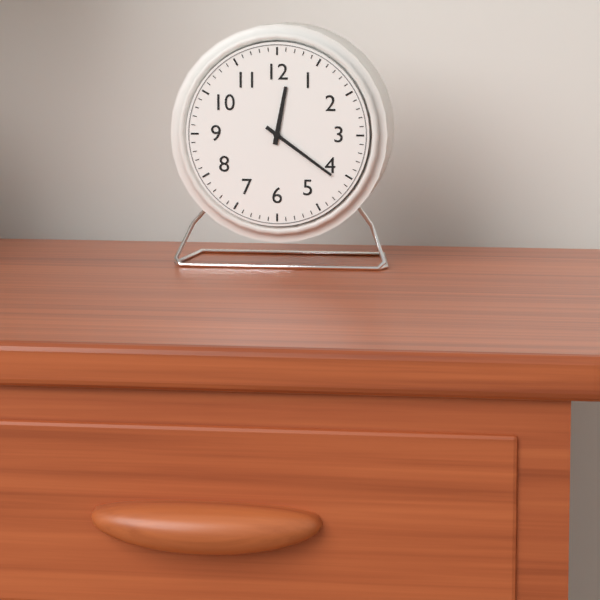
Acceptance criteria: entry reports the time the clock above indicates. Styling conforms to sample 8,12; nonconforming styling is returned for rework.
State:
12,21
